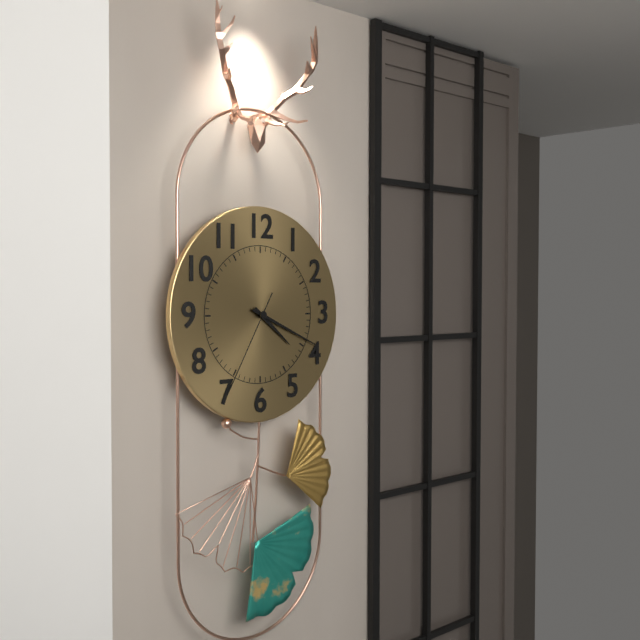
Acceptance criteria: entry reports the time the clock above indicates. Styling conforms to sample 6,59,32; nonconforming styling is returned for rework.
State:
4,19,35
